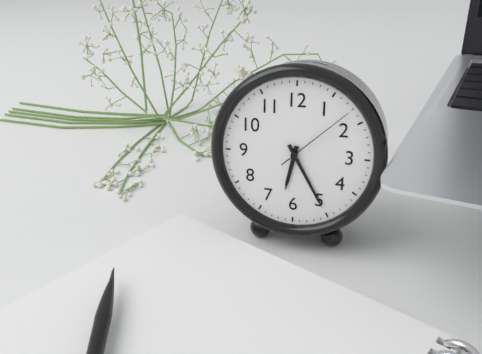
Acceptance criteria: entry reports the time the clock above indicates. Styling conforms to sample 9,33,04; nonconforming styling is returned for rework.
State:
6,25,08
